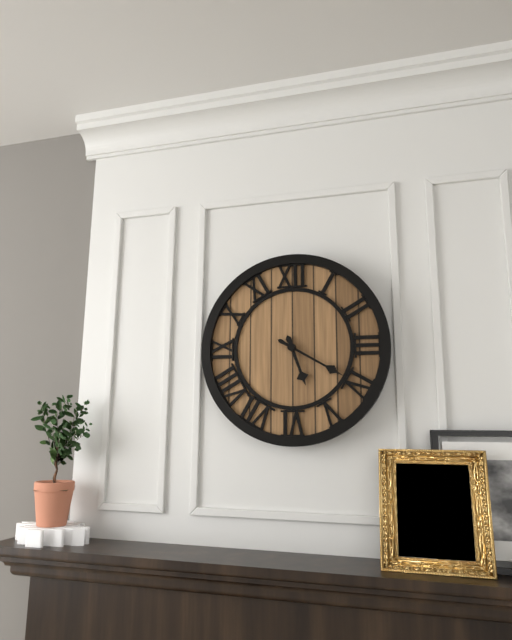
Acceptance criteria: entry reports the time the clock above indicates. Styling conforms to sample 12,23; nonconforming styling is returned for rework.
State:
5,20
